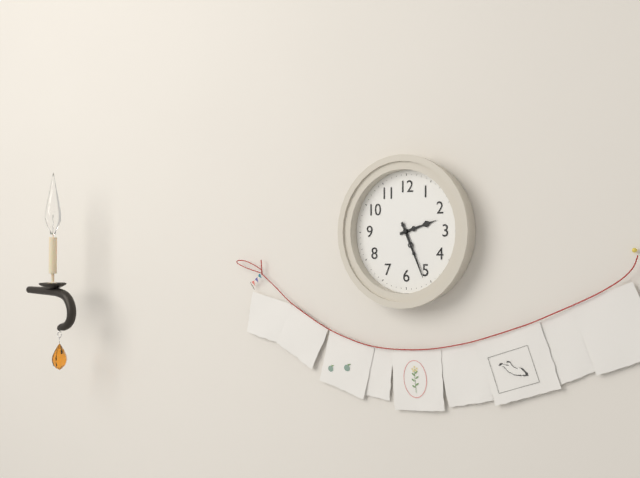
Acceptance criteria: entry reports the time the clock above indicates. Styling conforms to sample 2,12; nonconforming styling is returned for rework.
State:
2,26
